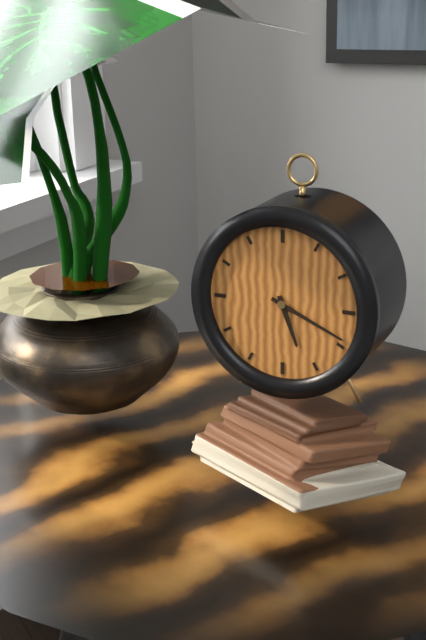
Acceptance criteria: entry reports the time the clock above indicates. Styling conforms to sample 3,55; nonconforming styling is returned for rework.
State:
5,19
